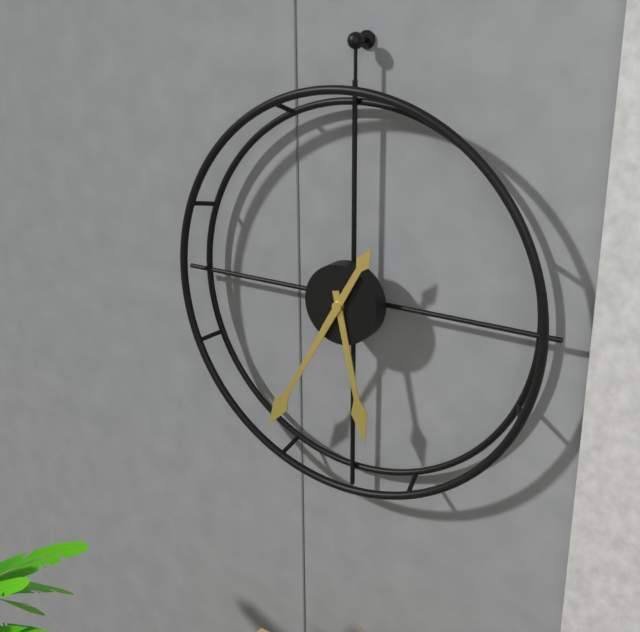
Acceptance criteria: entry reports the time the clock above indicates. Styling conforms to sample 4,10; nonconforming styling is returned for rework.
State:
5,35
